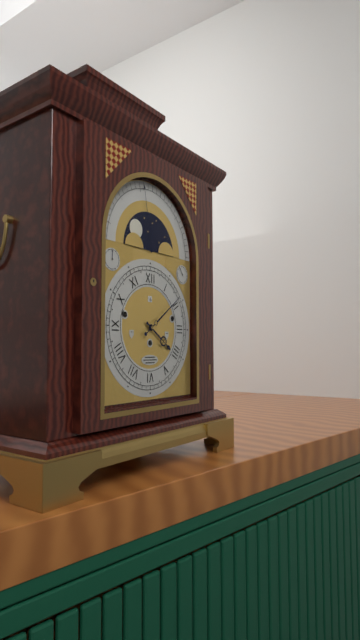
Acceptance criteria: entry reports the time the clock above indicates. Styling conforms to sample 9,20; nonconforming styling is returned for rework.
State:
4,09
